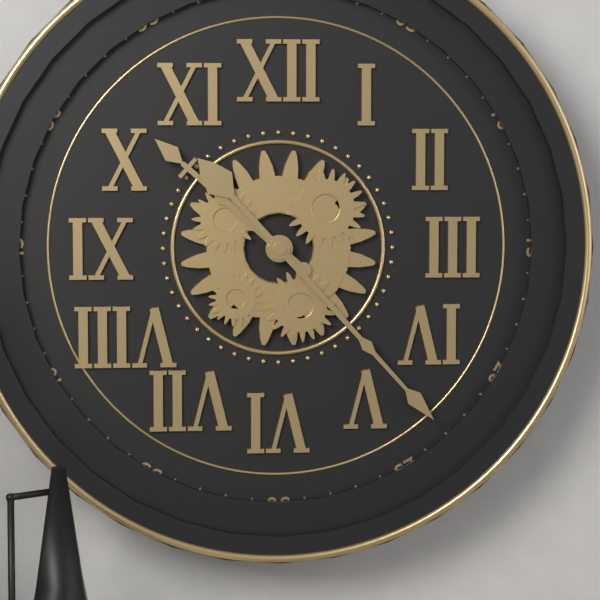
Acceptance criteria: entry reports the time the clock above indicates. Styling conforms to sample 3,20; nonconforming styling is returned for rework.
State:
10,23
